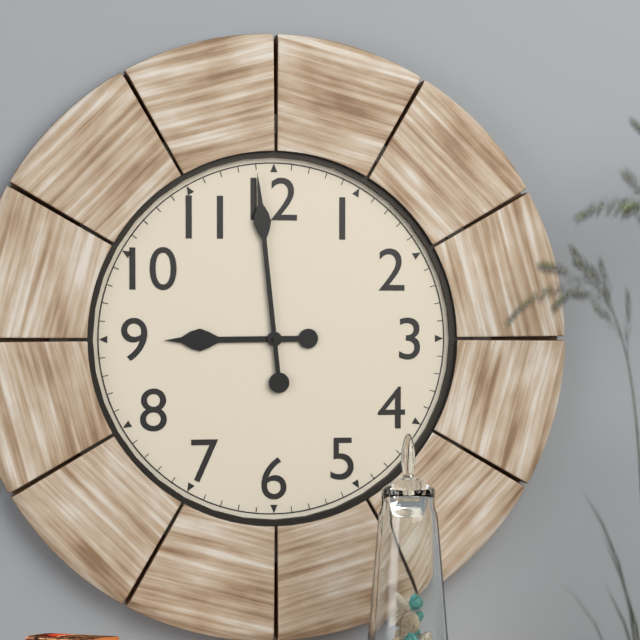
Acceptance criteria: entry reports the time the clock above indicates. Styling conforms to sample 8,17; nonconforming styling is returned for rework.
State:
8,59
